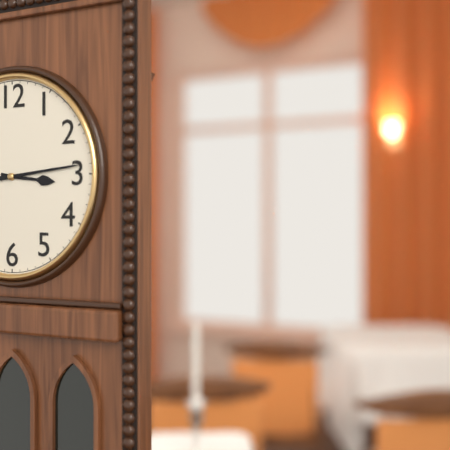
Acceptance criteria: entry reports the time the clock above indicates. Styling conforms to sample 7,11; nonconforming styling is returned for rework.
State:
3,14
